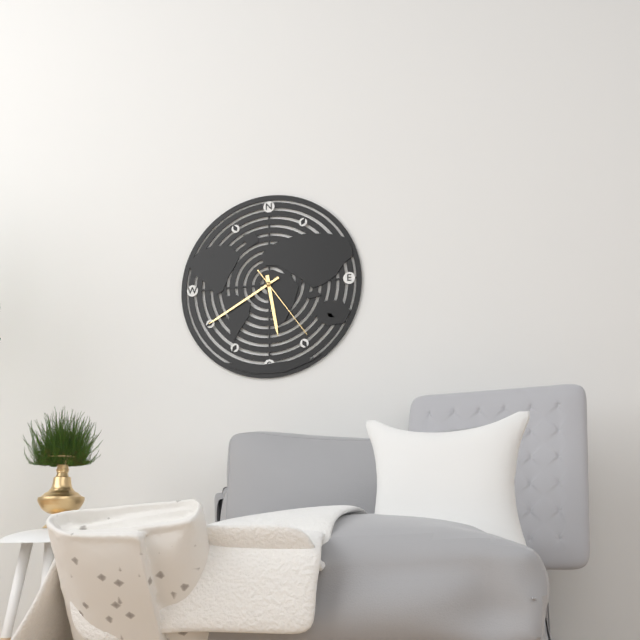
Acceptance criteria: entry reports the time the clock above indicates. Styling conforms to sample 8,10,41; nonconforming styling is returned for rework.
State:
5,40,24
